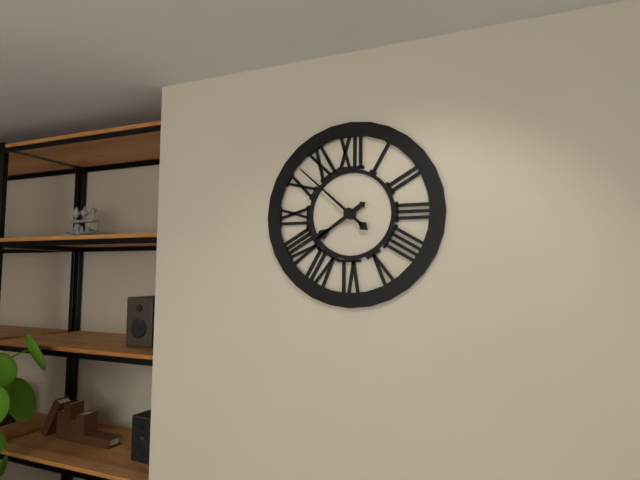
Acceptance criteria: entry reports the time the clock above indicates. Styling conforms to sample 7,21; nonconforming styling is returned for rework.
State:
7,52
